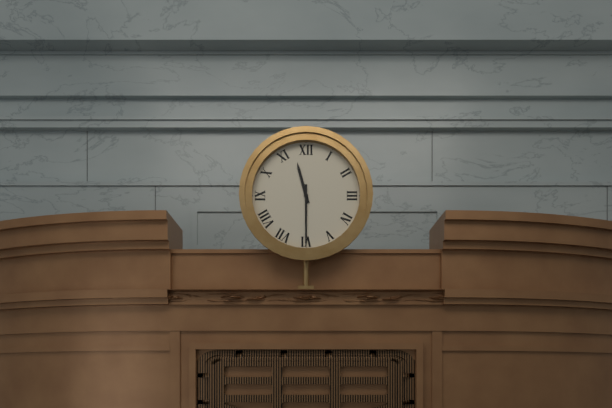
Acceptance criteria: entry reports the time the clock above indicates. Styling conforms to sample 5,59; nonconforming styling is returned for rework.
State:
11,30
